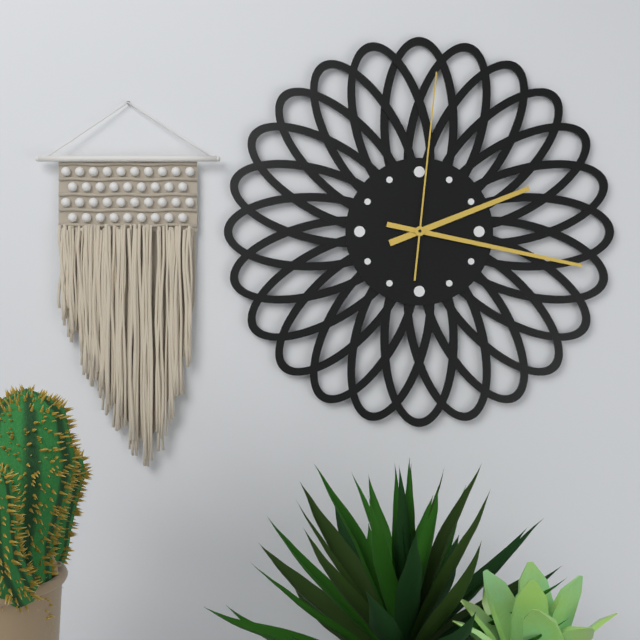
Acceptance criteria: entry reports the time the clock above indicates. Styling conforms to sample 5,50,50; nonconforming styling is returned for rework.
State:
2,17,01
